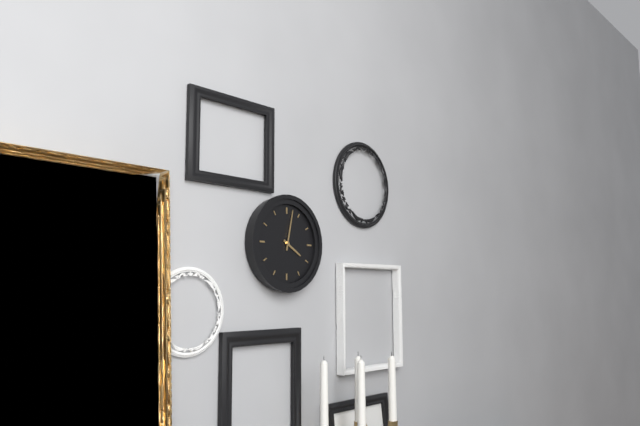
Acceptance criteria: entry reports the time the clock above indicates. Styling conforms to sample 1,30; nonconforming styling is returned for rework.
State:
4,02
